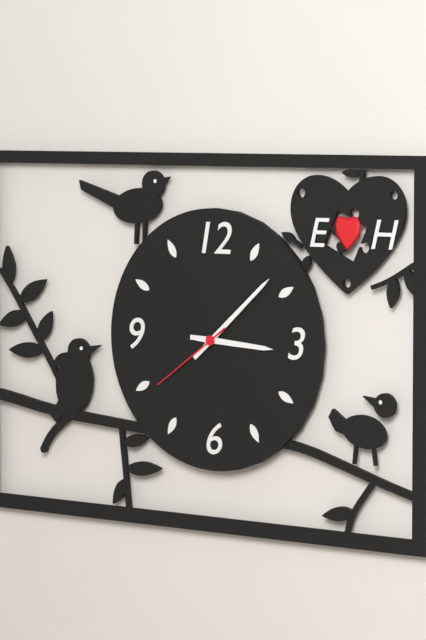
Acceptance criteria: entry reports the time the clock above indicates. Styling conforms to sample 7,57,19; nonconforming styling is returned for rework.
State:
3,08,39
